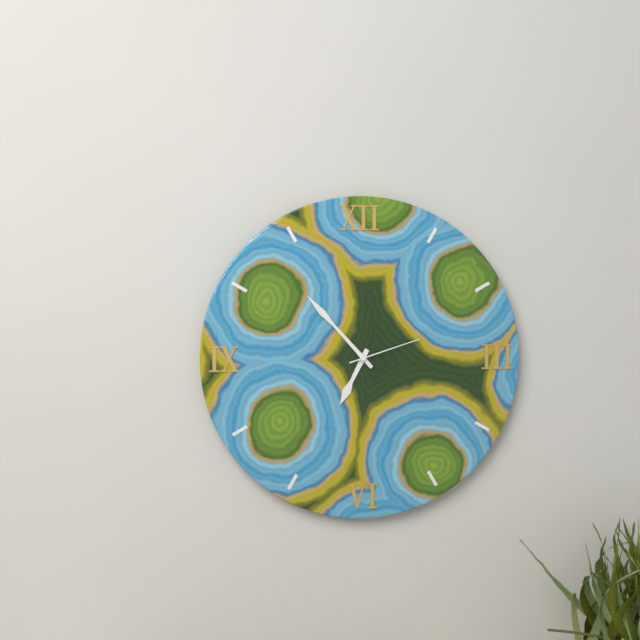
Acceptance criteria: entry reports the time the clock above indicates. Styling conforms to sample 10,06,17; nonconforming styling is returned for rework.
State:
6,53,12
